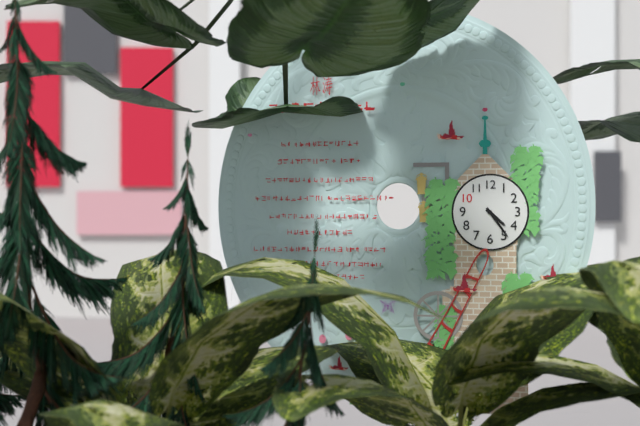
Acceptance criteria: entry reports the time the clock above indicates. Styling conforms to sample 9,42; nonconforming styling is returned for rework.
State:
4,24
